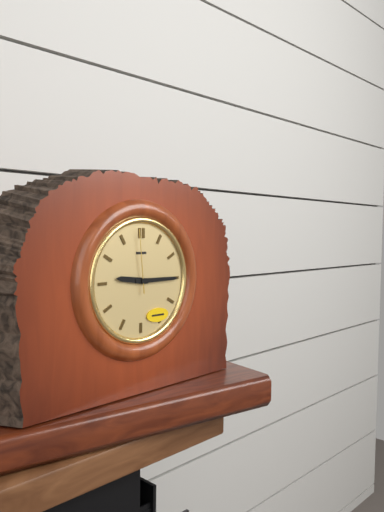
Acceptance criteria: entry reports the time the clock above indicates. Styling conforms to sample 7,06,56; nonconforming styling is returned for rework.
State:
9,15,59
